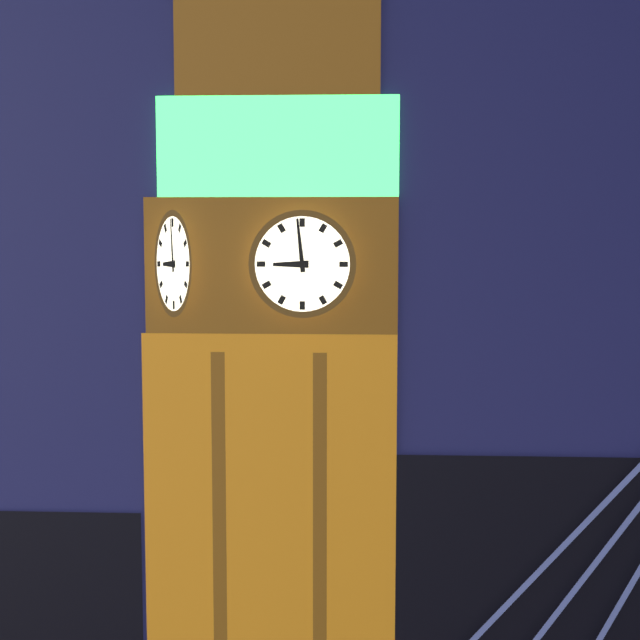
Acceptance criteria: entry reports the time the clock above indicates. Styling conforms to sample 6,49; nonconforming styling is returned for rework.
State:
8,59
